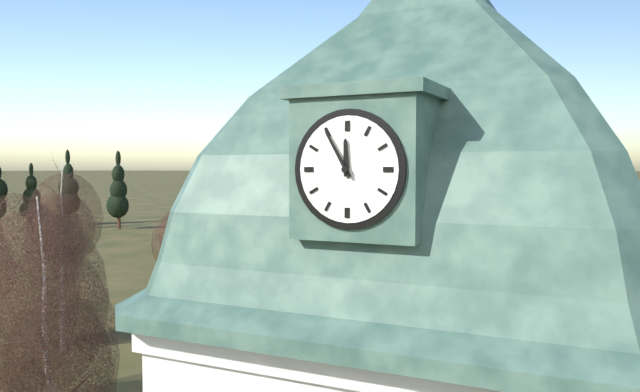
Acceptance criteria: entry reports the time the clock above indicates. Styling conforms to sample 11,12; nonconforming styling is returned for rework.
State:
11,55
